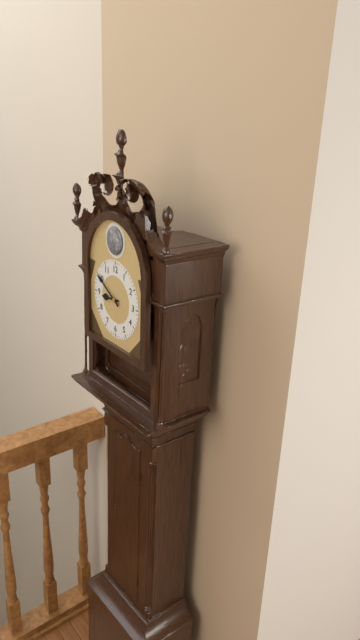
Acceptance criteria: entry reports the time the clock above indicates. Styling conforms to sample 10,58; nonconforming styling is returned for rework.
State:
8,50
